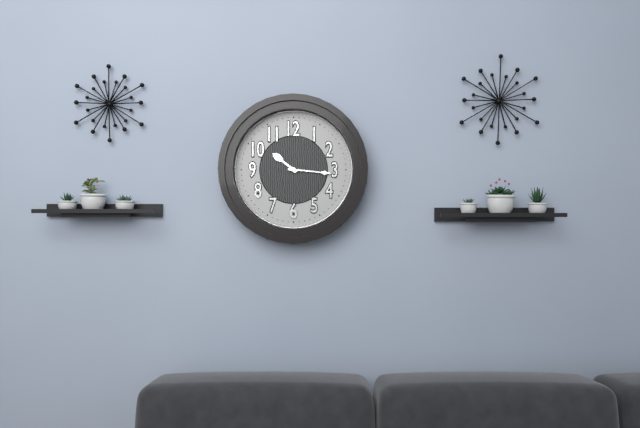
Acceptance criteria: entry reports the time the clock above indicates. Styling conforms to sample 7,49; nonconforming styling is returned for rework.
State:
10,16
